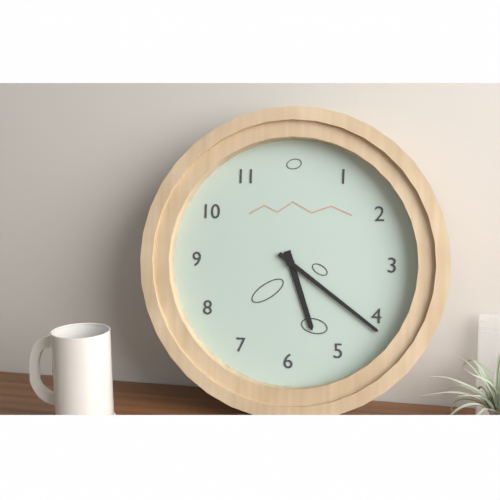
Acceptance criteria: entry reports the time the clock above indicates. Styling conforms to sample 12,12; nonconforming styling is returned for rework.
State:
5,21
